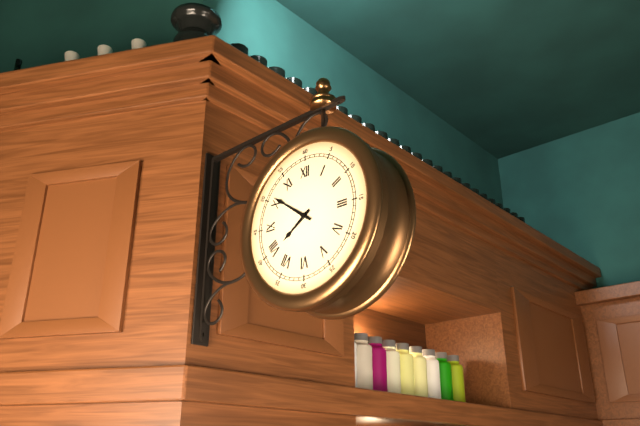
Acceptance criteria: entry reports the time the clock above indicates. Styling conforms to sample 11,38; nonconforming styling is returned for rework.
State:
7,51
